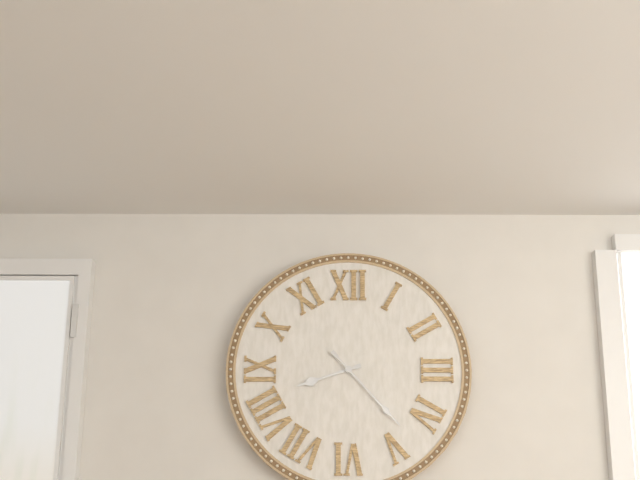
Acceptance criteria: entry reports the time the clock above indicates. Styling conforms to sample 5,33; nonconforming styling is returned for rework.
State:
8,23
